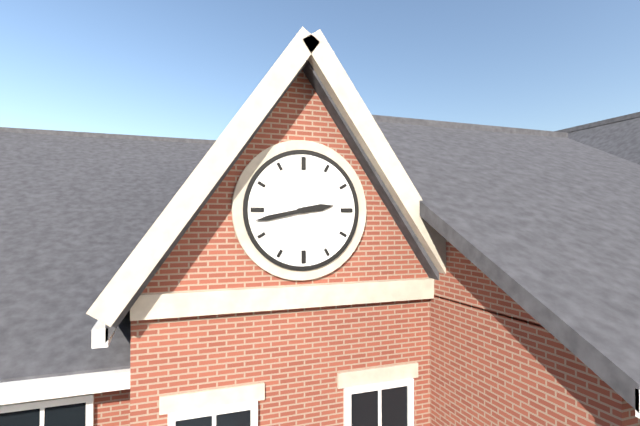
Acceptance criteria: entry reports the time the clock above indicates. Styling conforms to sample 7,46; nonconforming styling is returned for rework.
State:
2,43
